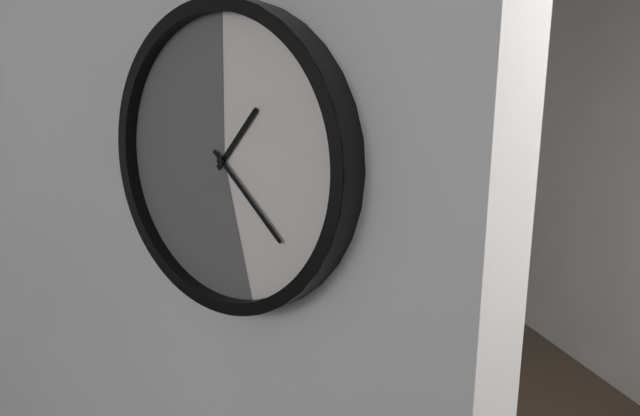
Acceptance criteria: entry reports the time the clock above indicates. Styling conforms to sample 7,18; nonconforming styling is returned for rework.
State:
1,22
